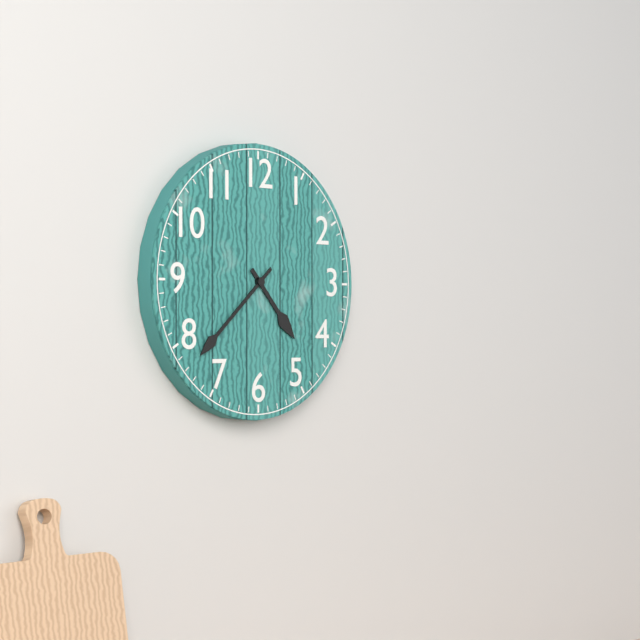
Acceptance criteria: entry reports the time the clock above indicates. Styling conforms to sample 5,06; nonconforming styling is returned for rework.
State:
4,38
